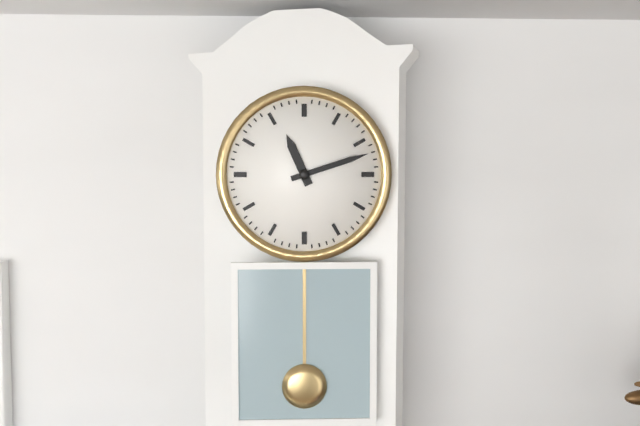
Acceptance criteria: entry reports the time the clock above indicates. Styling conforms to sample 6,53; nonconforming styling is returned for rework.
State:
11,12
